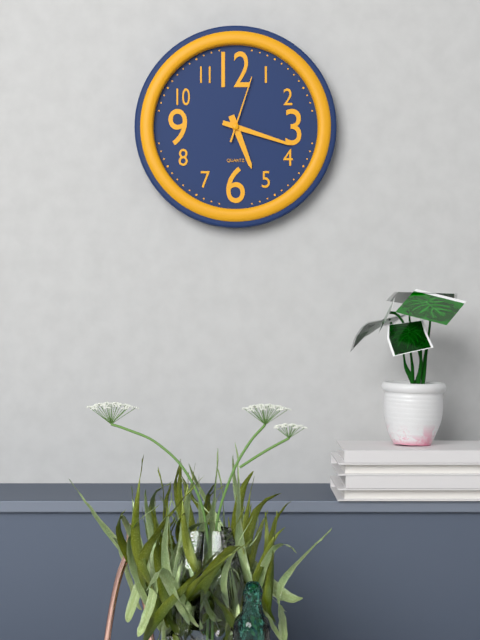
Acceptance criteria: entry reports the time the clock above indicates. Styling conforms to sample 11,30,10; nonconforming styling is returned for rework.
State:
5,18,03
